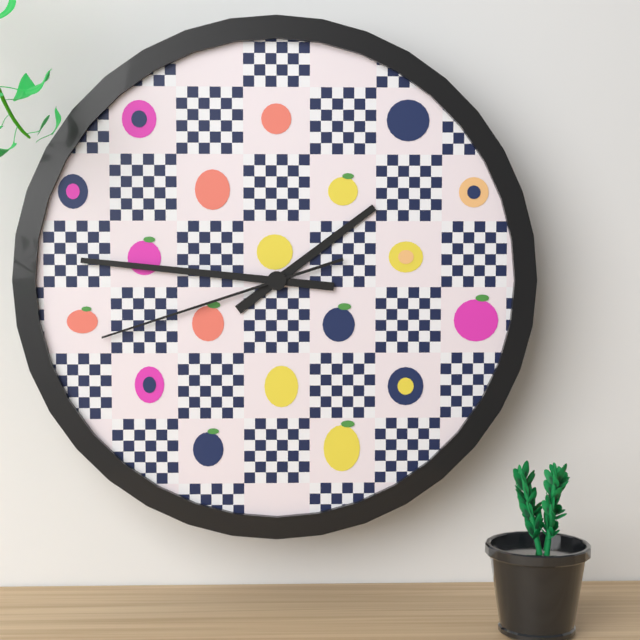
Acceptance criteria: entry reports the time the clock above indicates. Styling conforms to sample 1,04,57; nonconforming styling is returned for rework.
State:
1,46,42
